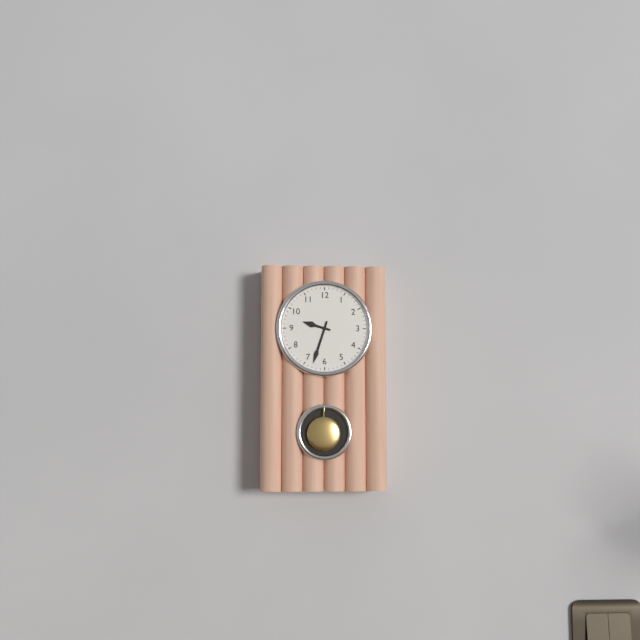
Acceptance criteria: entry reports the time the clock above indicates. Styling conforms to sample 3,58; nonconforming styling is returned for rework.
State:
9,33
